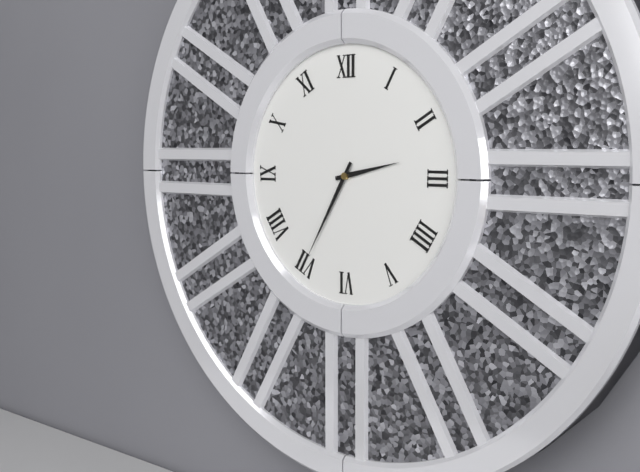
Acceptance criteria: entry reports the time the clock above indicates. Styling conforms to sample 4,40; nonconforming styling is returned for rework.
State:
2,35
